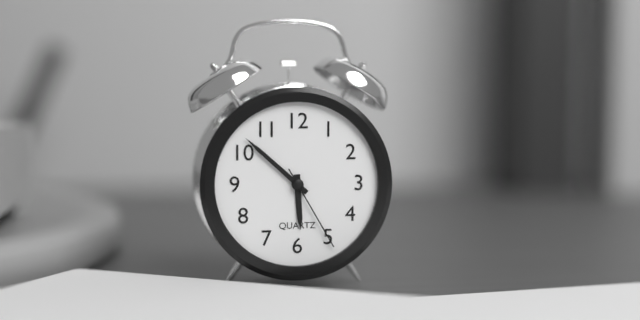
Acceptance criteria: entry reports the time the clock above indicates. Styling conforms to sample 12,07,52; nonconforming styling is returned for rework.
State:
5,52,25
